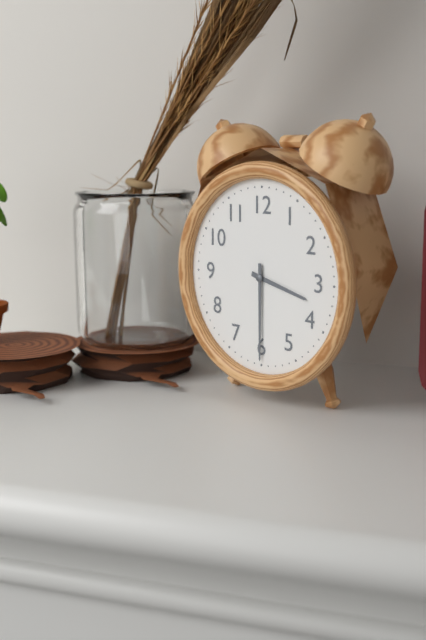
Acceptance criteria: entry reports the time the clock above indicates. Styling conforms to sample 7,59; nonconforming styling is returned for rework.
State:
3,30
